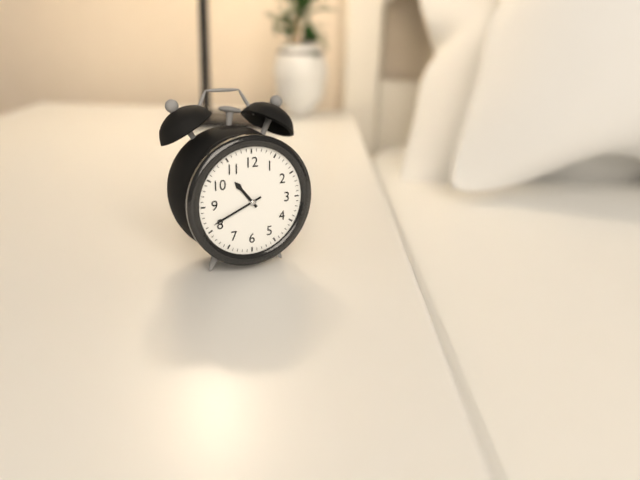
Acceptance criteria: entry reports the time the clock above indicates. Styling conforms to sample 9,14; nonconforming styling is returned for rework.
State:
10,41
